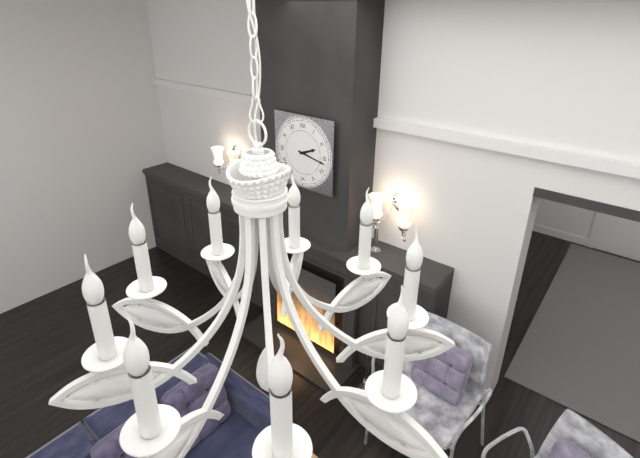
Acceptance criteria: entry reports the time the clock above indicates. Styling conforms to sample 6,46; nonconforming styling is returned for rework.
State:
2,17
